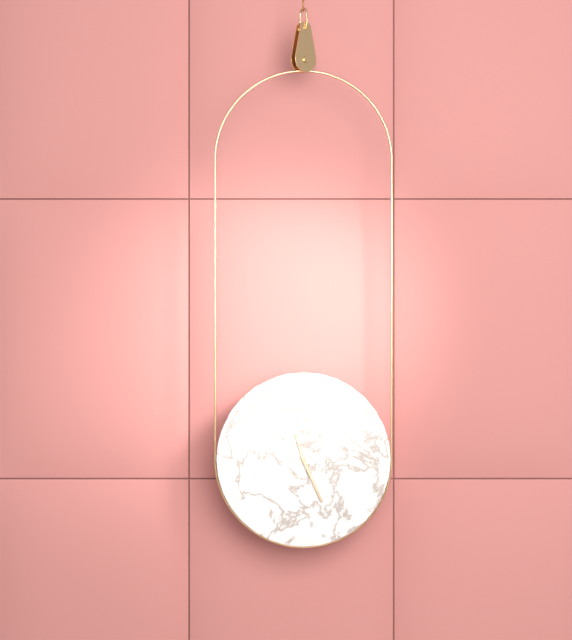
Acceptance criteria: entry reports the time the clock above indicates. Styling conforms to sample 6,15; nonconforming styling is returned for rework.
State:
11,26
